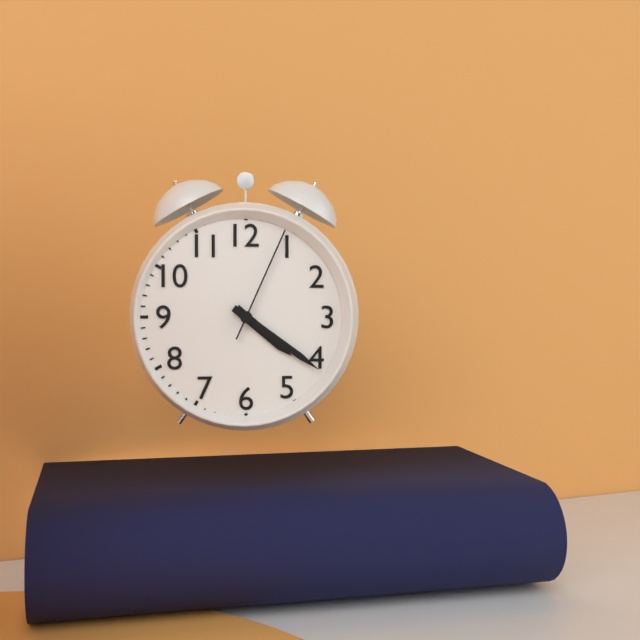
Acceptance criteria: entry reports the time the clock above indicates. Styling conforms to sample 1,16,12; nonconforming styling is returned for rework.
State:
4,21,04
